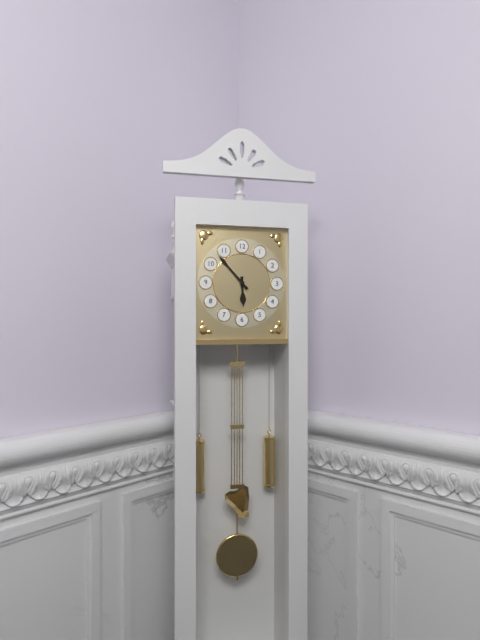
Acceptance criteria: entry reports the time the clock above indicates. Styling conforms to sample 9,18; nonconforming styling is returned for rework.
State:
5,53
